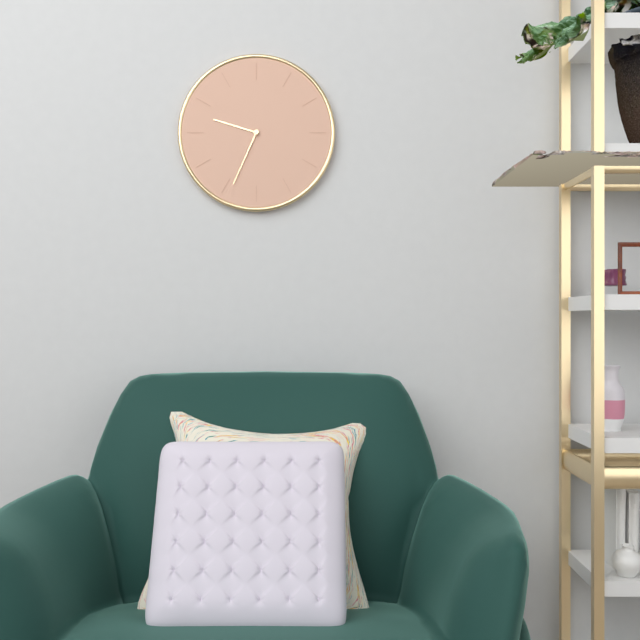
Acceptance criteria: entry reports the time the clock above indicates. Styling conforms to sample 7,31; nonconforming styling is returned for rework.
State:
9,34
